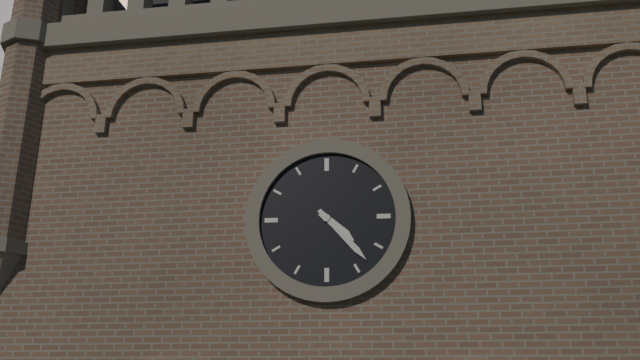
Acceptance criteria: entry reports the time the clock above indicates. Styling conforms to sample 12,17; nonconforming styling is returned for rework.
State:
4,23
